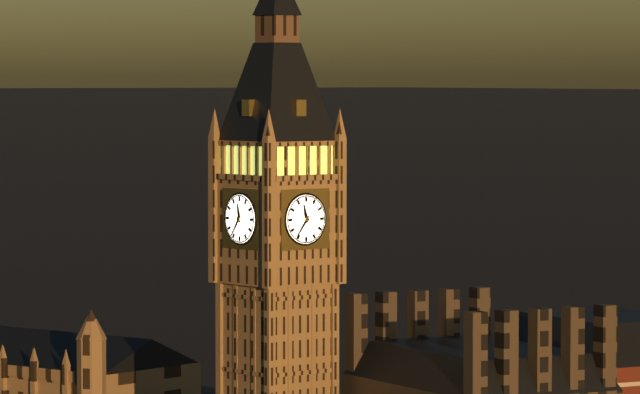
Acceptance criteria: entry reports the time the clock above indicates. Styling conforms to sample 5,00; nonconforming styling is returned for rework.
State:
11,36
